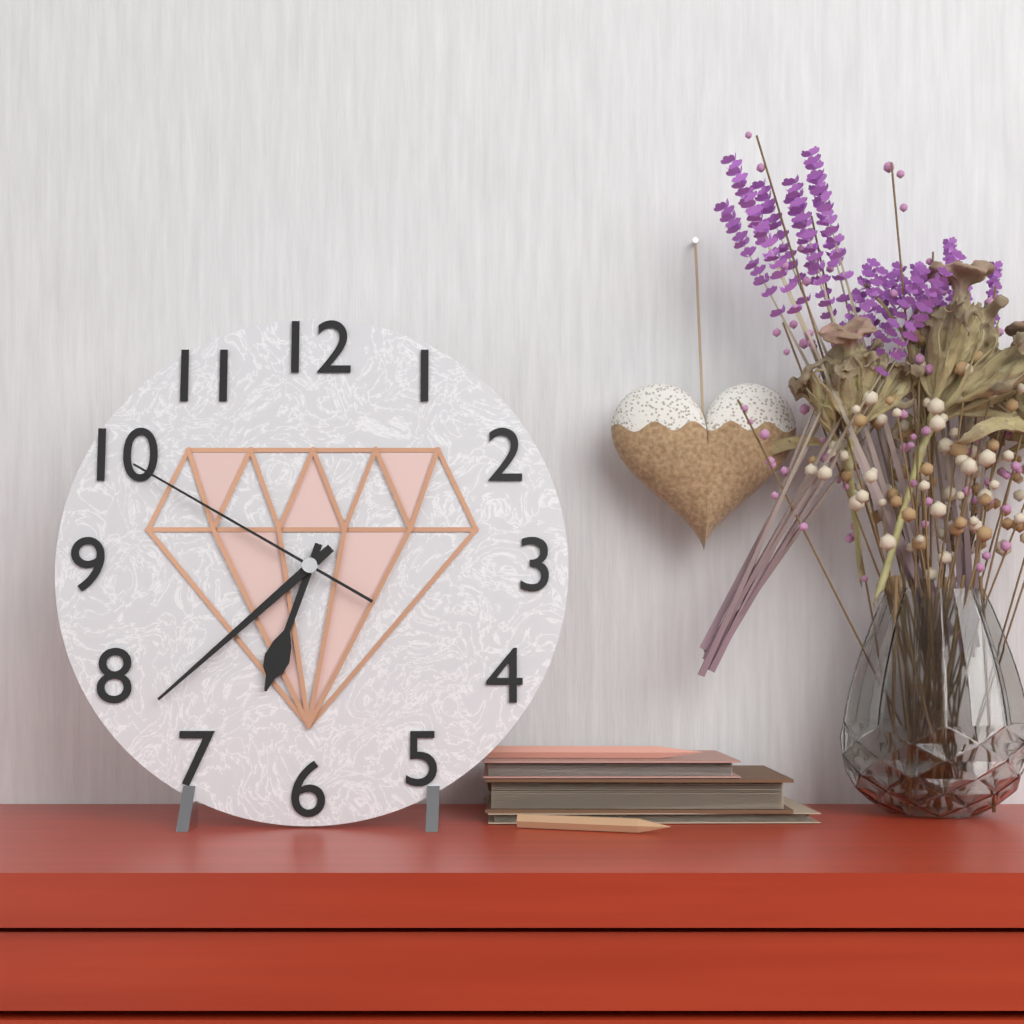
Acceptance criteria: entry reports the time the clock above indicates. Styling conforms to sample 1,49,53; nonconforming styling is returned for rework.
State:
6,38,50
